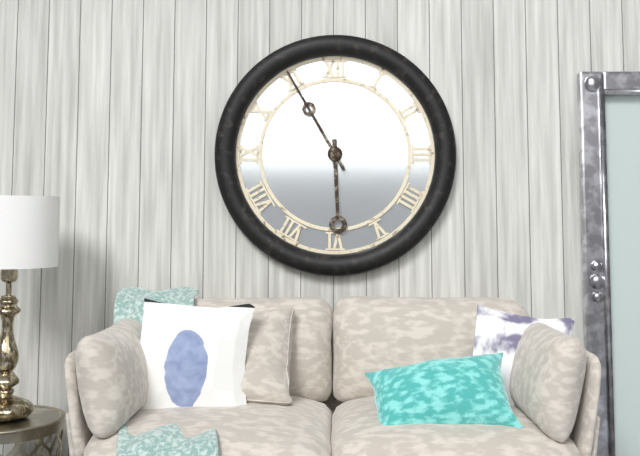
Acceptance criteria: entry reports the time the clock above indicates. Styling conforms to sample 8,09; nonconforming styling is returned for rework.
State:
5,55
